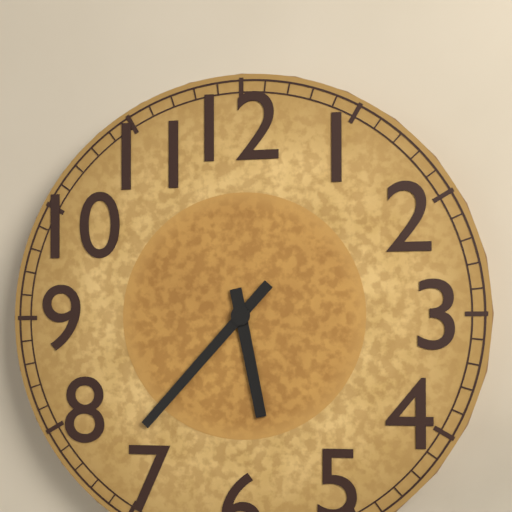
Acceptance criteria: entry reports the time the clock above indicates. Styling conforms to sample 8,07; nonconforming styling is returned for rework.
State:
5,37
